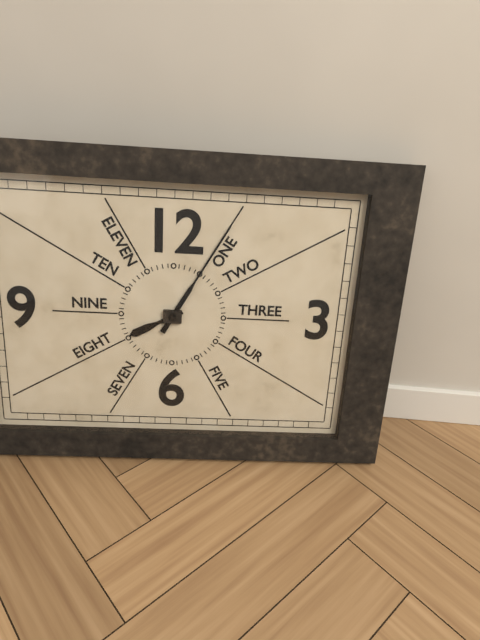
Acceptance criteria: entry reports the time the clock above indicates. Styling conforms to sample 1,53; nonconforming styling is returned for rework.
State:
8,05
